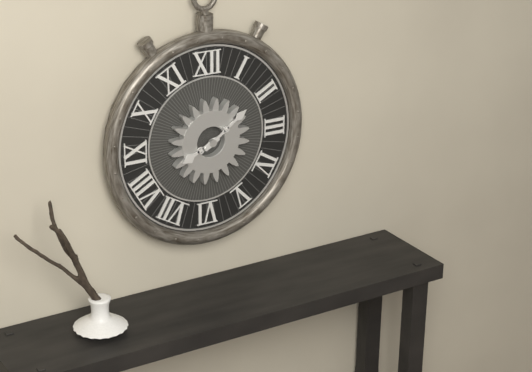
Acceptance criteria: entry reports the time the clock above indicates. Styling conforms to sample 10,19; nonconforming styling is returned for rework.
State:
8,09
